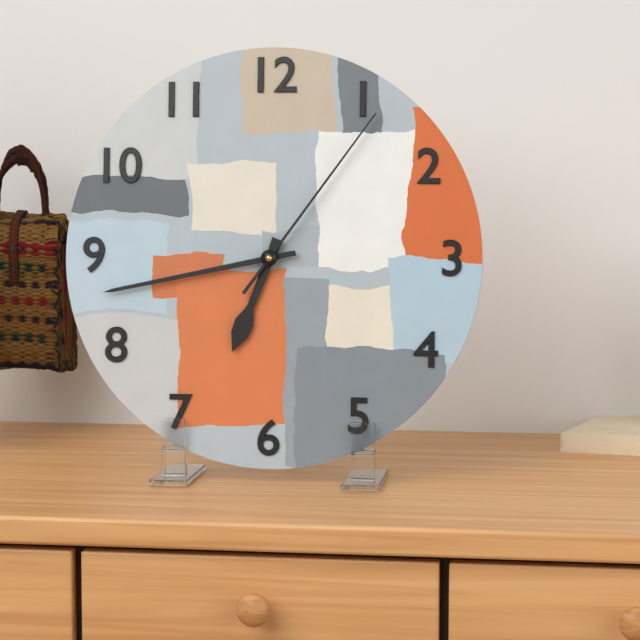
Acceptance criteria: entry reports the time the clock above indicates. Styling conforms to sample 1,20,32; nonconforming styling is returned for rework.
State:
6,43,06
